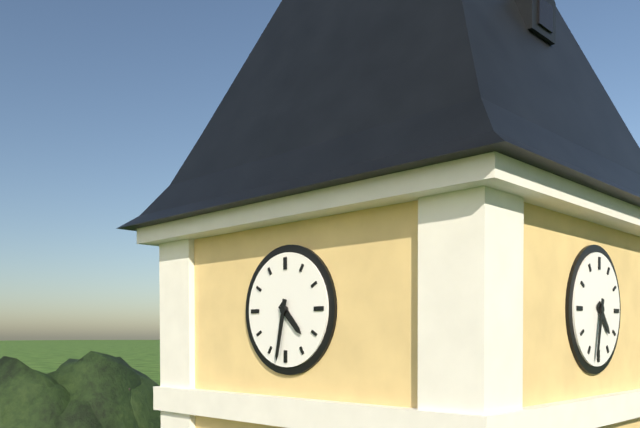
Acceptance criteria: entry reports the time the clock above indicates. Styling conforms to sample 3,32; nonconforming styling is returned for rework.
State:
4,32
